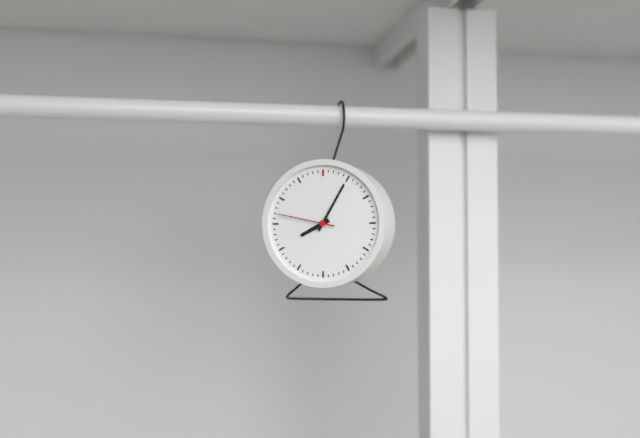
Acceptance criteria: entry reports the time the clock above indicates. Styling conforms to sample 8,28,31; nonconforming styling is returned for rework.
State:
8,05,47
